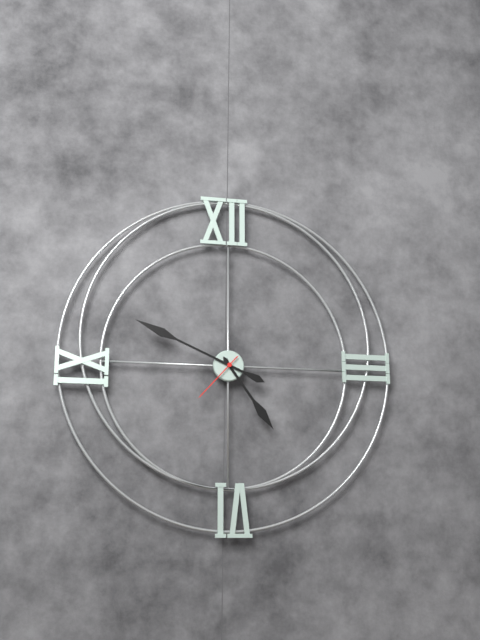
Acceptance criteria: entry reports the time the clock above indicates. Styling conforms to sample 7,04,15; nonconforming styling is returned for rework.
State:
4,49,37
